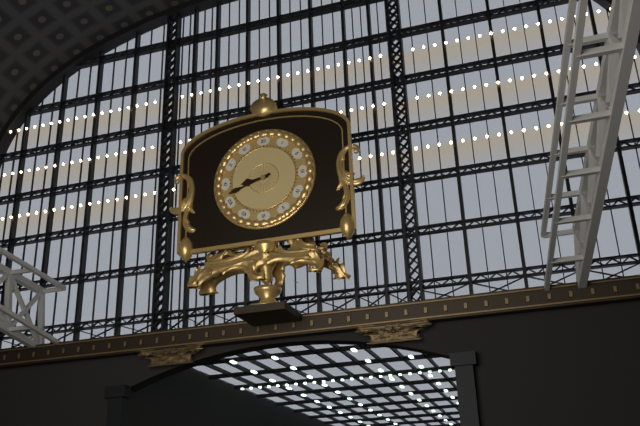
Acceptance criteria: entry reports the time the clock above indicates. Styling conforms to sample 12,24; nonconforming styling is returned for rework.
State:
8,42
